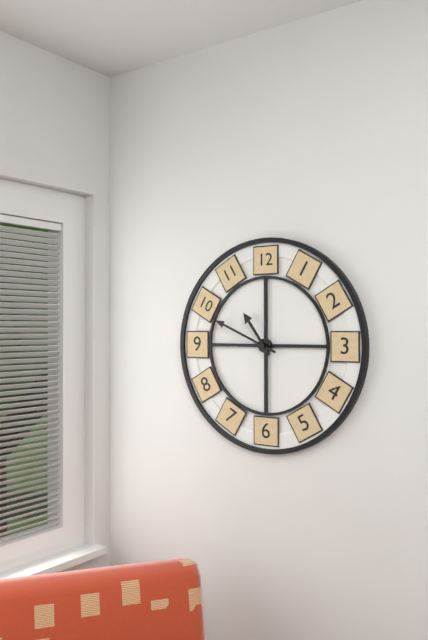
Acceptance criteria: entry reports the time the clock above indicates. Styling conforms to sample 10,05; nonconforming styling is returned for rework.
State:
10,49
